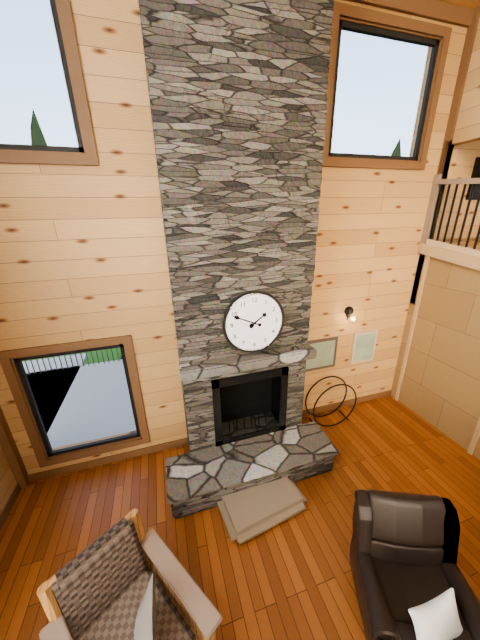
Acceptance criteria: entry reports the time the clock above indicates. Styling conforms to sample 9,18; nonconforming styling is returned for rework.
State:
1,49
